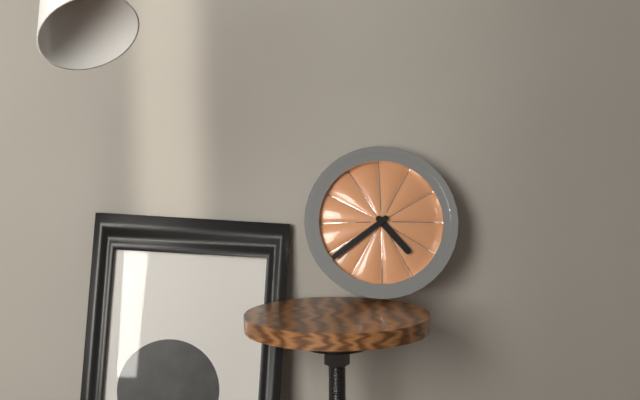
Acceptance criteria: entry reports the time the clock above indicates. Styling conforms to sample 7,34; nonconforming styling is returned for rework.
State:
4,39
